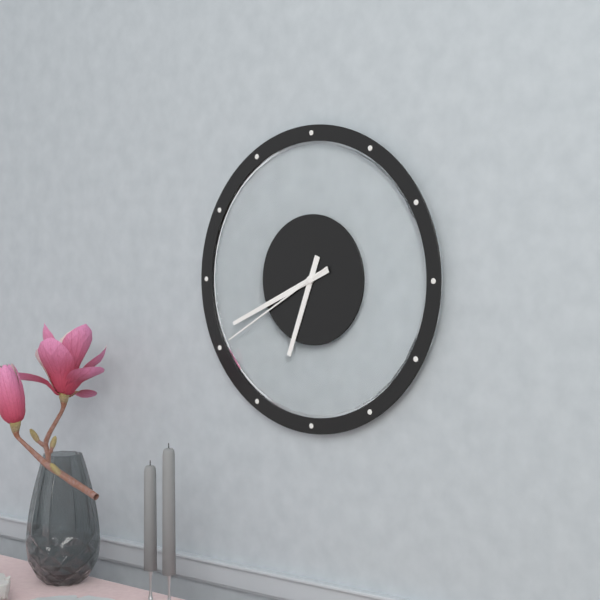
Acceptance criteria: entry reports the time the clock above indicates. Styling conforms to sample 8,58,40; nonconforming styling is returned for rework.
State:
6,41,40
